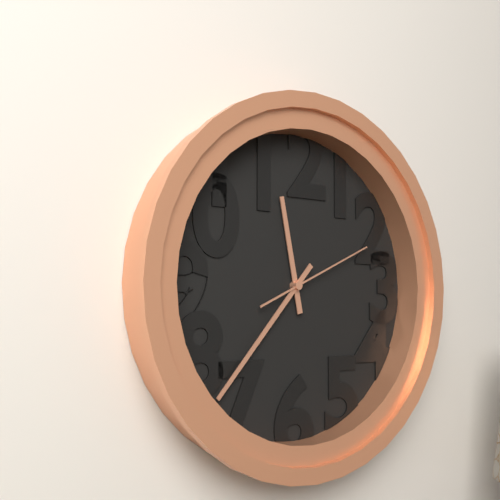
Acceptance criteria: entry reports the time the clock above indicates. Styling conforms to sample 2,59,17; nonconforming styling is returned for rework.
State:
11,37,11
